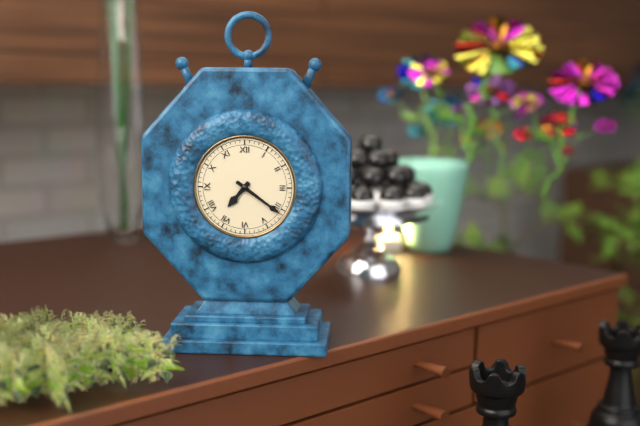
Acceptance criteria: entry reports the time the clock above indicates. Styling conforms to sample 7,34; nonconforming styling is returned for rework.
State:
7,21
